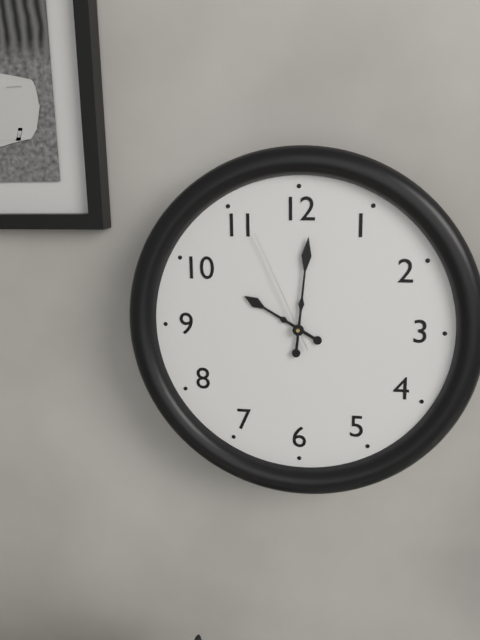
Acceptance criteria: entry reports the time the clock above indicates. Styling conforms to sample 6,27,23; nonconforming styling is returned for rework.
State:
10,01,56
